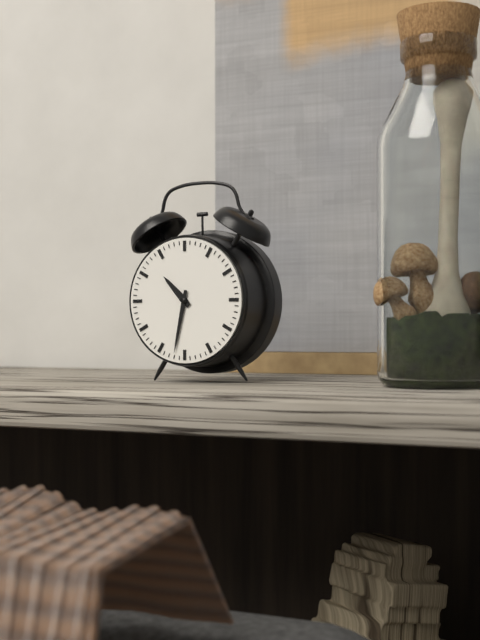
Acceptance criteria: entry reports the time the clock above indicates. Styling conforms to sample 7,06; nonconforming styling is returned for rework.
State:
10,32
